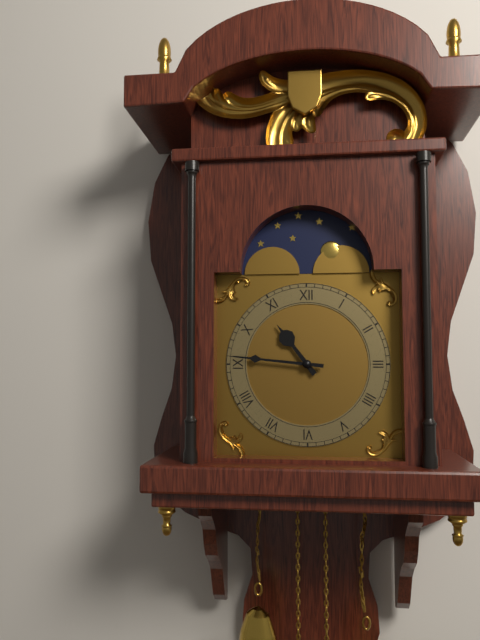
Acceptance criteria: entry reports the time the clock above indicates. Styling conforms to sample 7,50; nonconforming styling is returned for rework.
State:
10,46
